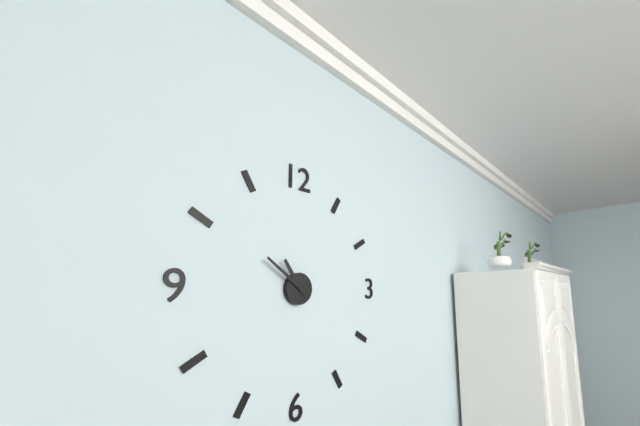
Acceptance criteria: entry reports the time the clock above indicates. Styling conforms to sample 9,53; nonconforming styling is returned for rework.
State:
10,51
